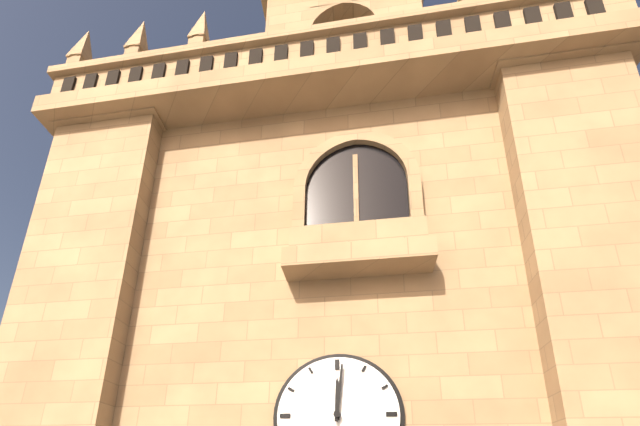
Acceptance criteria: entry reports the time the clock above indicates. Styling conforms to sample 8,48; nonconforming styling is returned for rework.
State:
12,01
